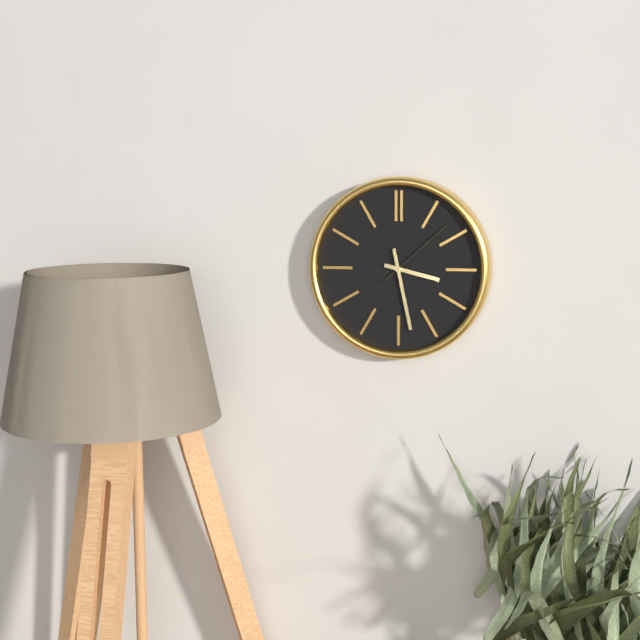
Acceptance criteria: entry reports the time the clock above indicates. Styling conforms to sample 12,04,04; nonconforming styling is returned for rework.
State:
3,28,08
